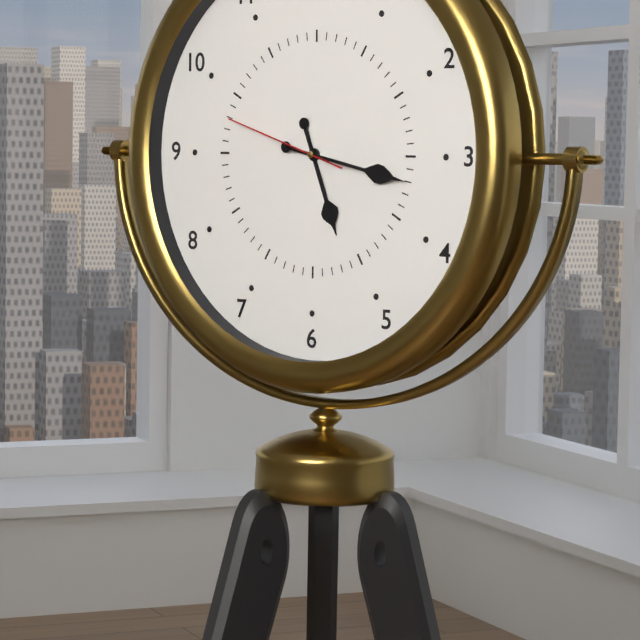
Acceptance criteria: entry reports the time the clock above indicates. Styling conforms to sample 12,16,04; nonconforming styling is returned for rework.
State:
5,17,48
